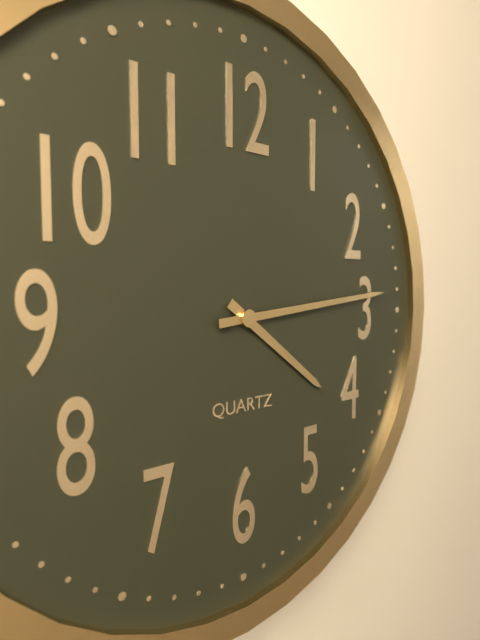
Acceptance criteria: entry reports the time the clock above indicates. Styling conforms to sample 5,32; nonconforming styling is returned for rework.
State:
4,14
